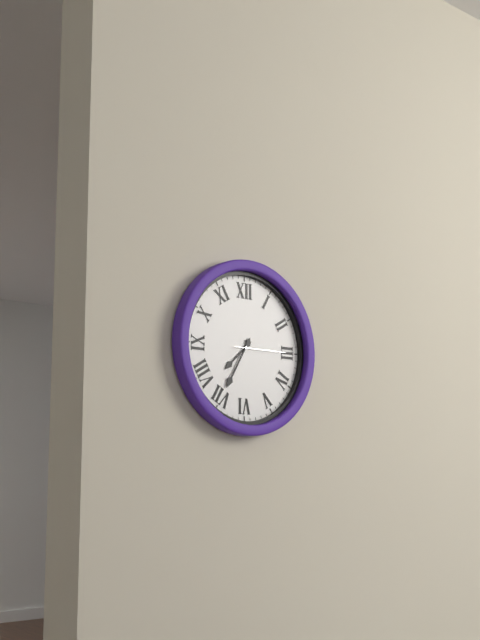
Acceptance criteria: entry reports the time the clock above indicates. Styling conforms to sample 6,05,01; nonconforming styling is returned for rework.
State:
7,35,15
